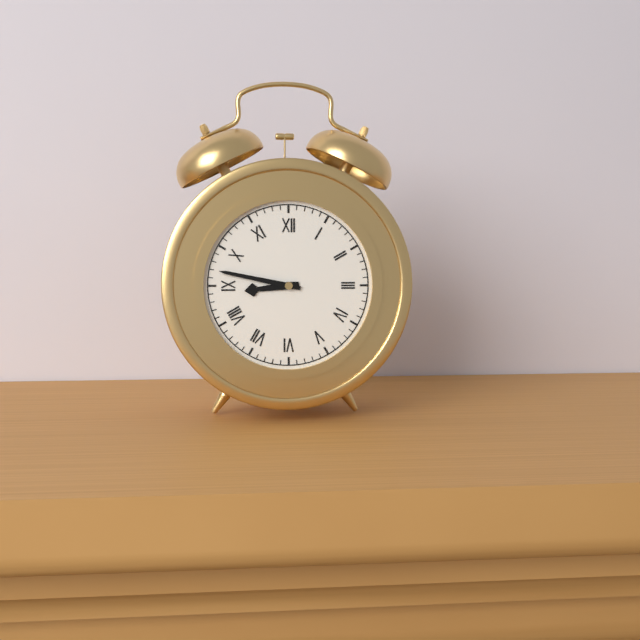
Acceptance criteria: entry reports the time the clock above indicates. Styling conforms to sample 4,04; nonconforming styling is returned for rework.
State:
8,47
